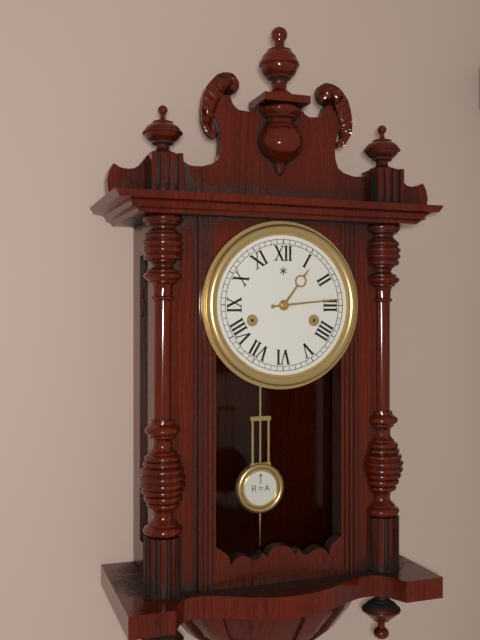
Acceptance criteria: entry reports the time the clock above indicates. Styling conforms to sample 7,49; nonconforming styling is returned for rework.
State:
1,14
